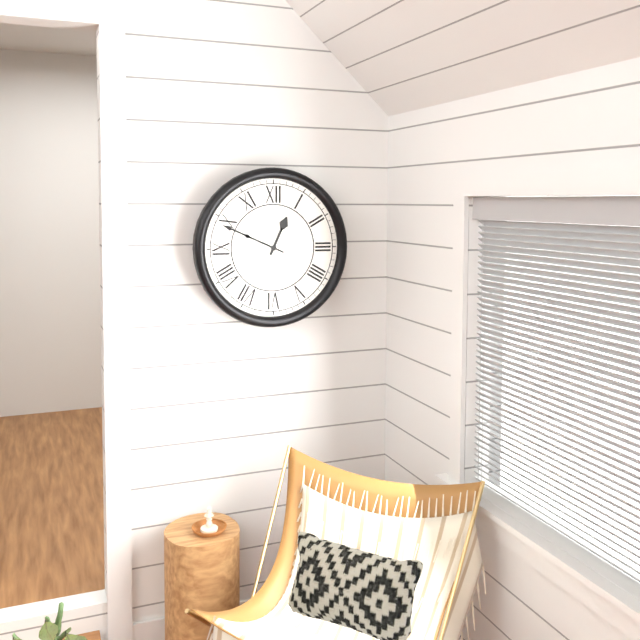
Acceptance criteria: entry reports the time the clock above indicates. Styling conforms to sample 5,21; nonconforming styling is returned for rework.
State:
12,49
